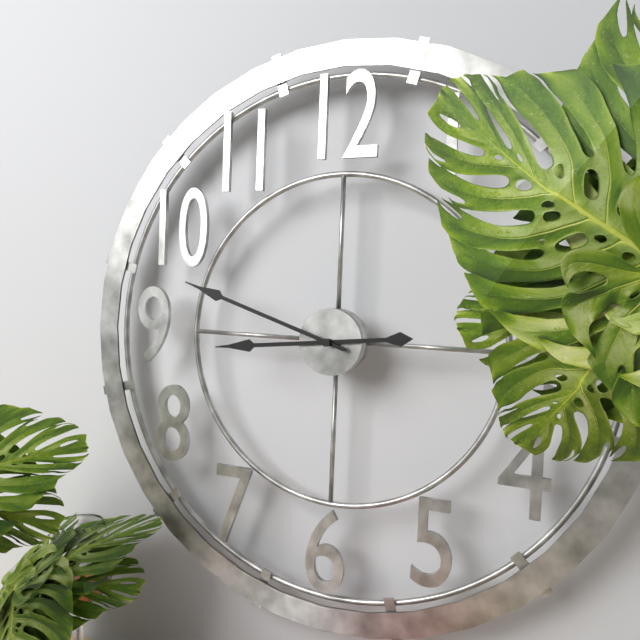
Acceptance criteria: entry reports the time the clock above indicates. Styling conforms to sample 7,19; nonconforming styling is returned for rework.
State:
8,48
